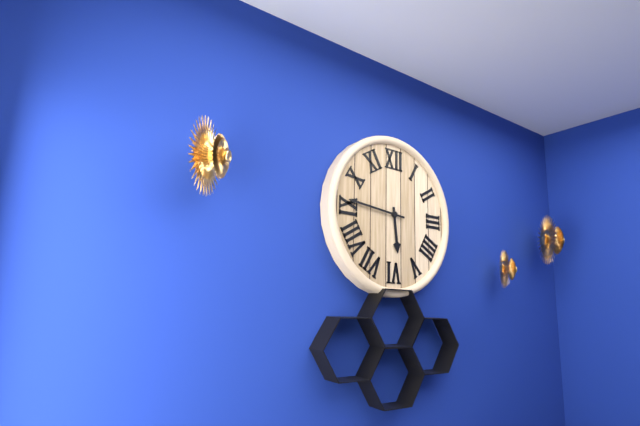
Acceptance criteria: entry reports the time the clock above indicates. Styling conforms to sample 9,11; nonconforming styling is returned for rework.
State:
5,46
